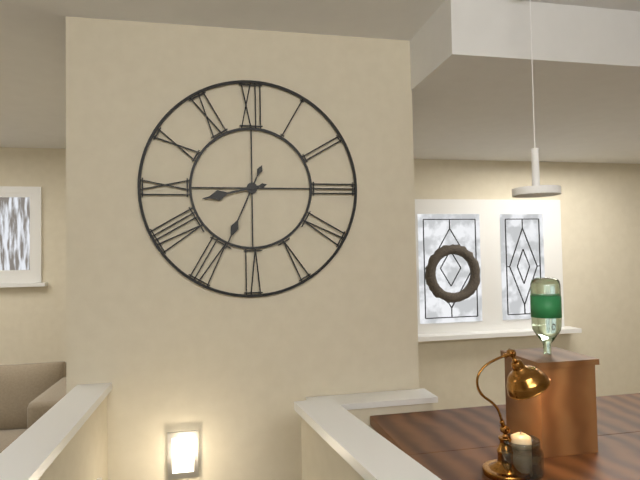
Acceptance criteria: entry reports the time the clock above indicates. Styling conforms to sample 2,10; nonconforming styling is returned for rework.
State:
8,34
